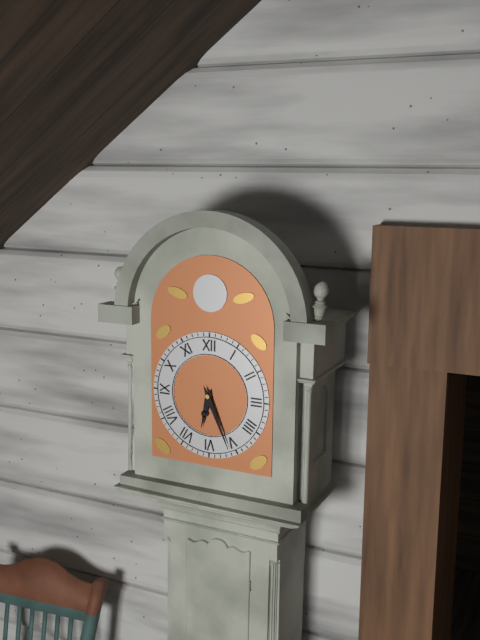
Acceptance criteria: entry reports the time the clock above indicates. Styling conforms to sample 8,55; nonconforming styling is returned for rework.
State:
6,26
